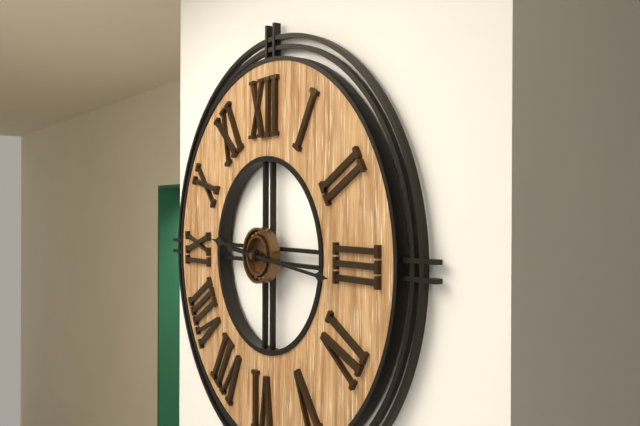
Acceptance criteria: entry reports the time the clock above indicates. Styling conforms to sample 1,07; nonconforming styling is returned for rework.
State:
9,16
